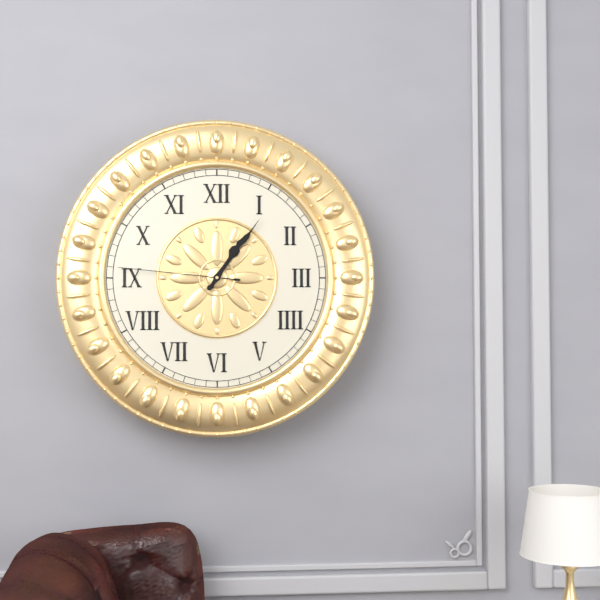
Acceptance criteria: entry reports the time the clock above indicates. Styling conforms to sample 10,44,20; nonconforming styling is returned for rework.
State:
1,06,46
